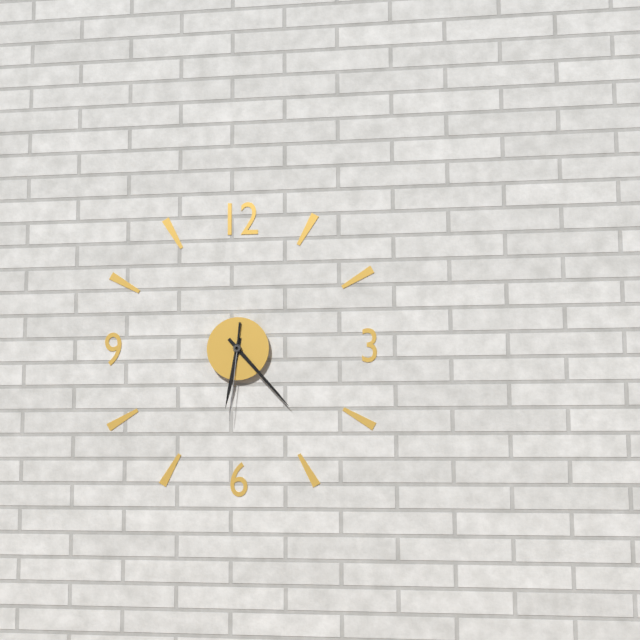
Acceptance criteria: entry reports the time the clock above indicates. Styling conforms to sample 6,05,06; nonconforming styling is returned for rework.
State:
6,23,31
